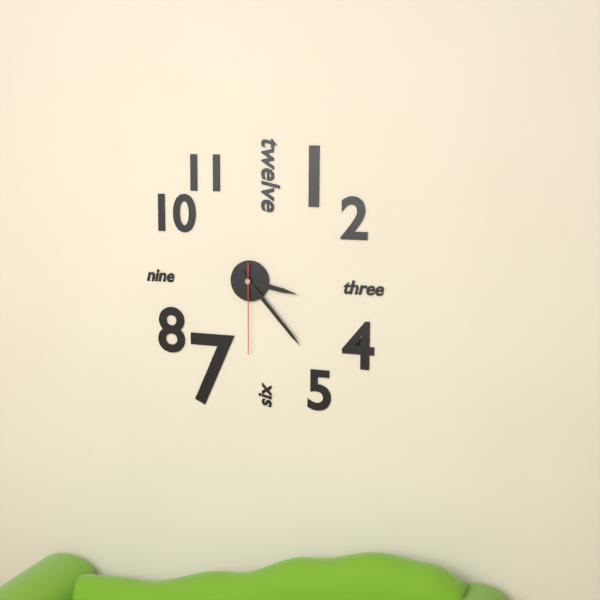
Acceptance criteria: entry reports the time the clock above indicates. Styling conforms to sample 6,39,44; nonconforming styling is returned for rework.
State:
3,23,30
